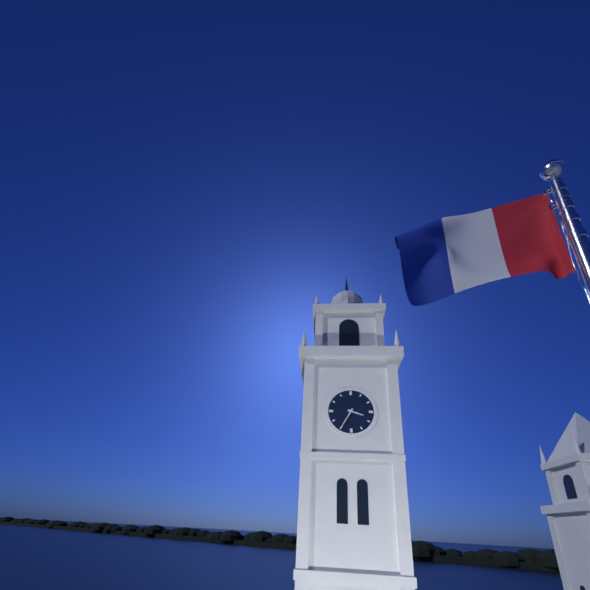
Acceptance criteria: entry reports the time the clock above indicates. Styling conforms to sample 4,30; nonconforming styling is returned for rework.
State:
3,35
